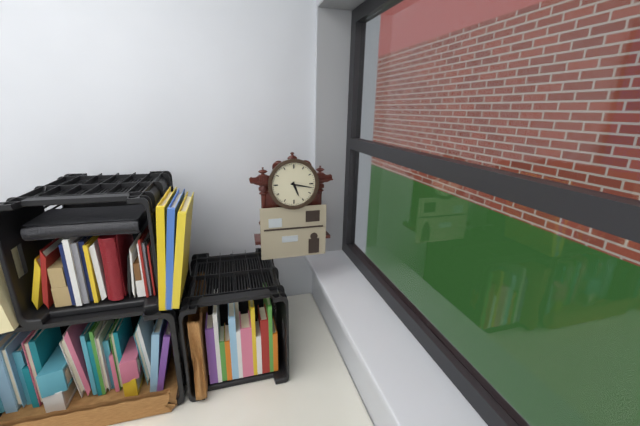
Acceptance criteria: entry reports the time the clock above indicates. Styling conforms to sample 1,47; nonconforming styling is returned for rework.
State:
5,17
